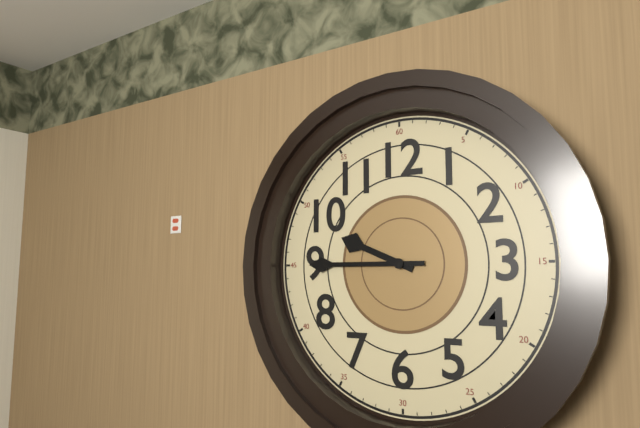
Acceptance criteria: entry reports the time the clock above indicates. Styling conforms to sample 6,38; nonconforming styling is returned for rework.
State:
9,45
